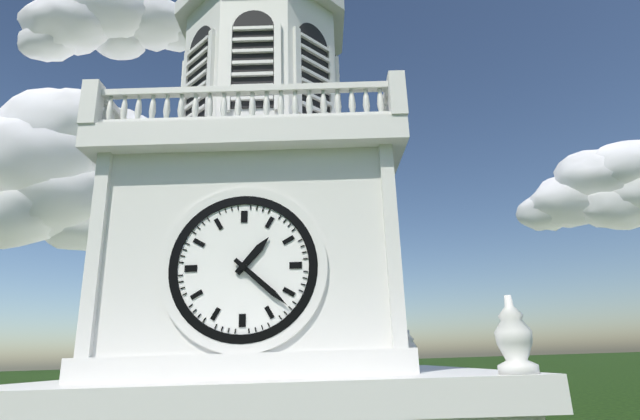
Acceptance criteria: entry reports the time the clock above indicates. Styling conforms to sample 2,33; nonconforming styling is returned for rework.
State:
1,22
